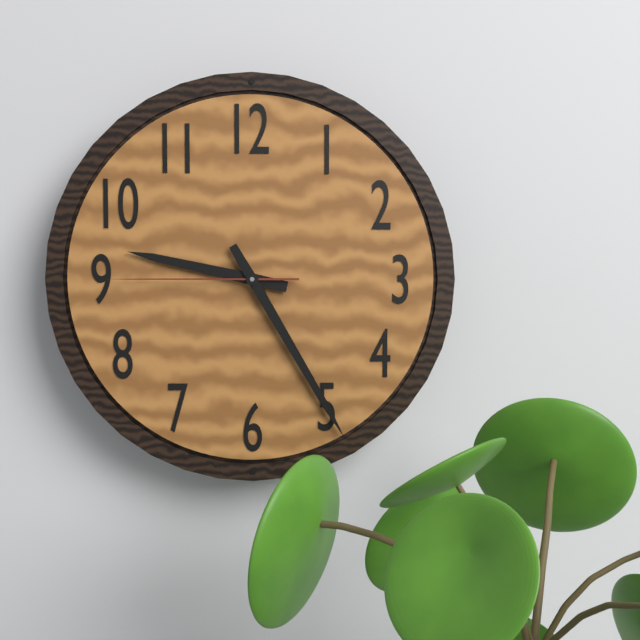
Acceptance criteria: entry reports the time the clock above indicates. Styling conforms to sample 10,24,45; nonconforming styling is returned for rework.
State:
9,25,45
